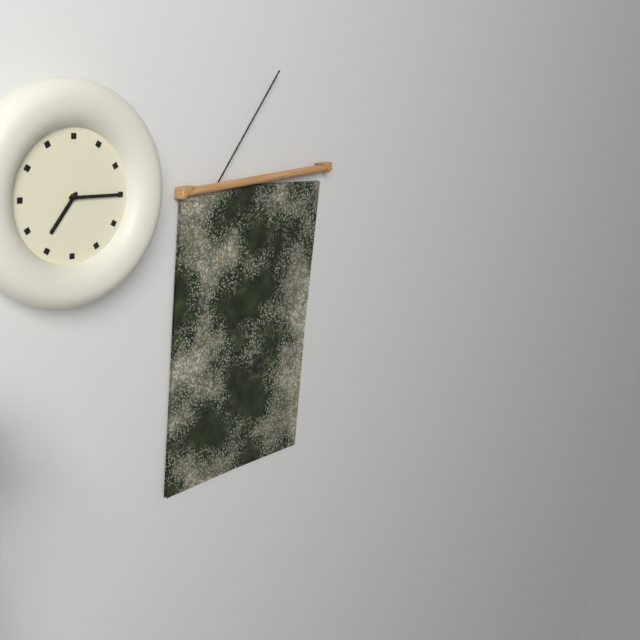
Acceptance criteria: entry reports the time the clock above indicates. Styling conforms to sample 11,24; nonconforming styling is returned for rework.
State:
7,15
